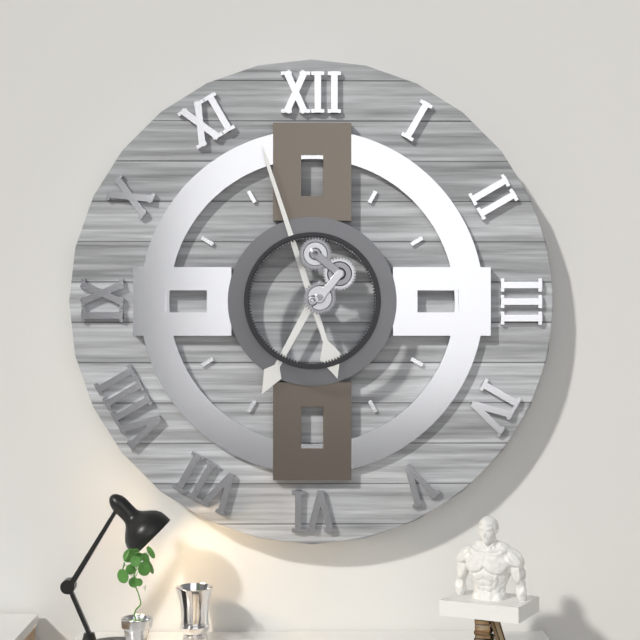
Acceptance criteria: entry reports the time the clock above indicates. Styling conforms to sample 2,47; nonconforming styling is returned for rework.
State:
6,57
